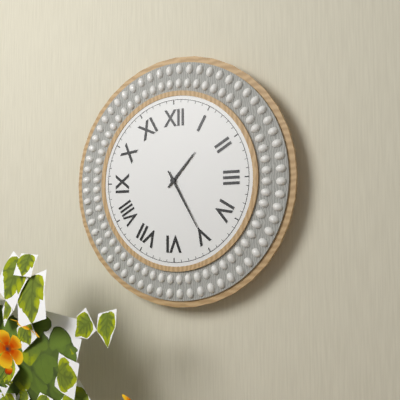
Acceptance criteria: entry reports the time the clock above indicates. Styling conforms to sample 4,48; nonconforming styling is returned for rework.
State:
1,25
